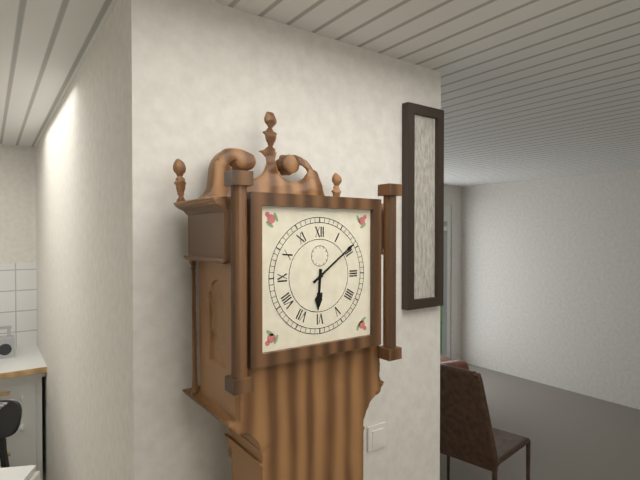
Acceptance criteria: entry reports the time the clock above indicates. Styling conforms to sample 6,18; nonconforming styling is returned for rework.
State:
6,09
